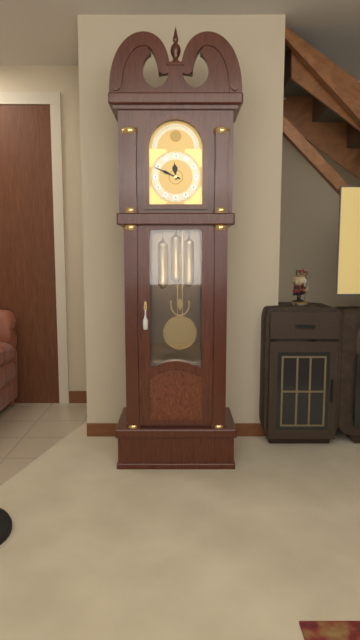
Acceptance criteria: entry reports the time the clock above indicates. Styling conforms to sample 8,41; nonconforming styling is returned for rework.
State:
11,49
